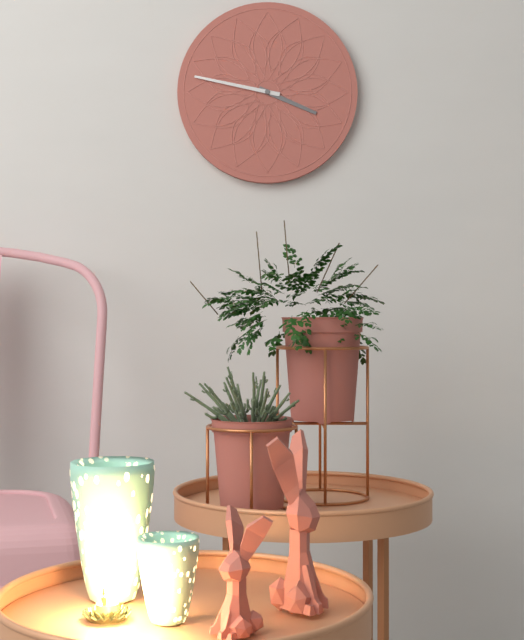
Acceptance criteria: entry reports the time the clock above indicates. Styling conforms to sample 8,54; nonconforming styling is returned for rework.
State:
3,47
